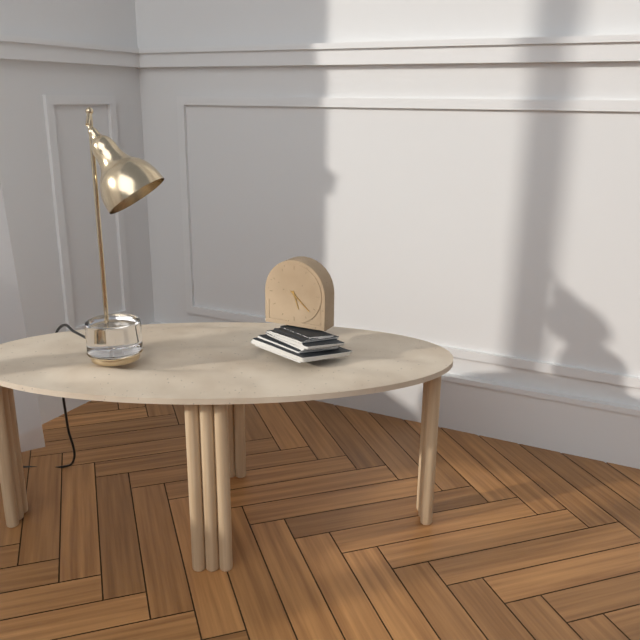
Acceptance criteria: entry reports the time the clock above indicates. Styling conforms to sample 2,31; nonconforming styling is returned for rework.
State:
5,22
